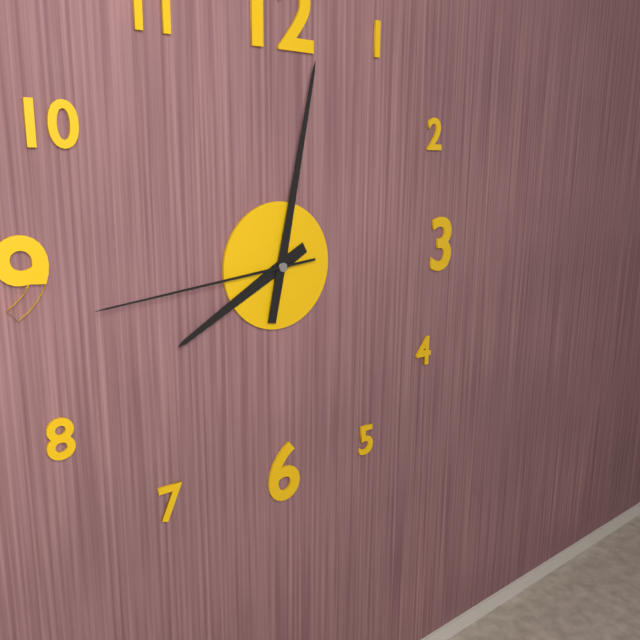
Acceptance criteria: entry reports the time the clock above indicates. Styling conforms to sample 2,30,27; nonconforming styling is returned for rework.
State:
8,02,44
